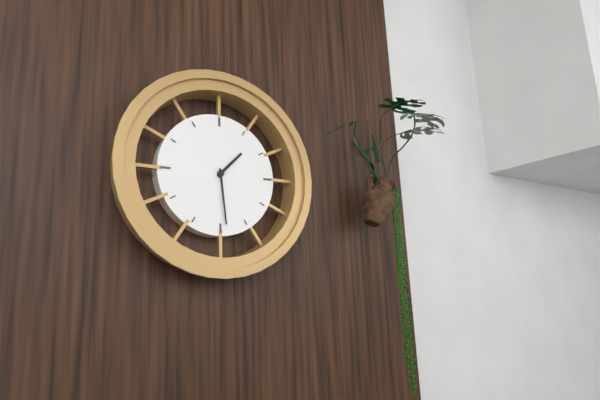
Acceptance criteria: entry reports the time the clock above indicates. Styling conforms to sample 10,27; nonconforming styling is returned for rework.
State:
1,29
